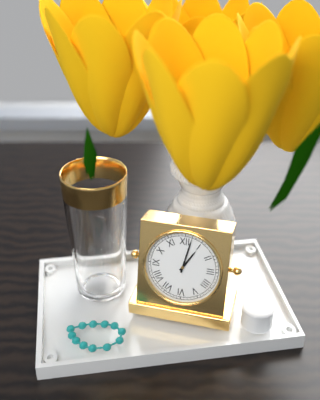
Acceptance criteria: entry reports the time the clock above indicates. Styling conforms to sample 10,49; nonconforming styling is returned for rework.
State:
1,02
